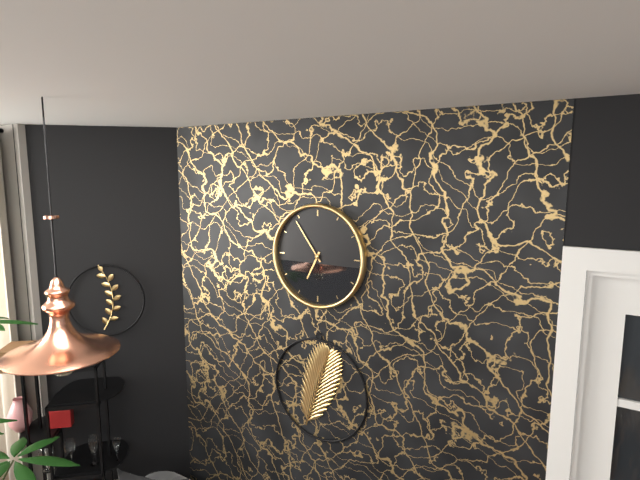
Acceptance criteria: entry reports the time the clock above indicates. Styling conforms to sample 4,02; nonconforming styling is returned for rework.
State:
6,54
